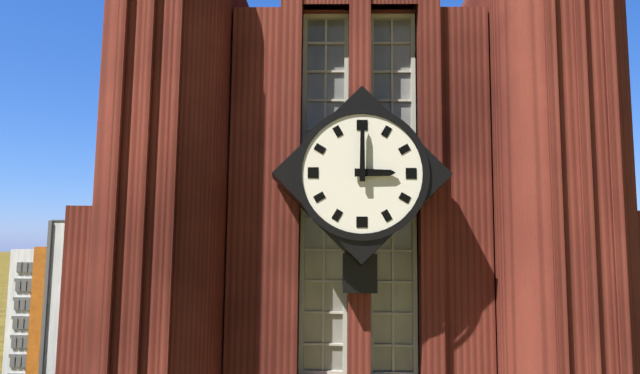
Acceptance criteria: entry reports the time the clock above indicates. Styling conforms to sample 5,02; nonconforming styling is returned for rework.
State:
3,00
